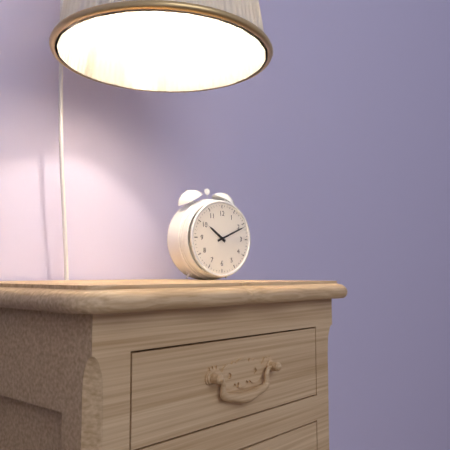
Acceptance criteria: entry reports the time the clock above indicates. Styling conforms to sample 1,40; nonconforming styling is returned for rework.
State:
10,11
